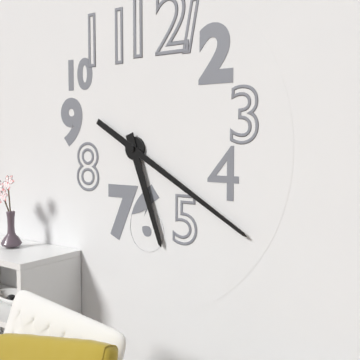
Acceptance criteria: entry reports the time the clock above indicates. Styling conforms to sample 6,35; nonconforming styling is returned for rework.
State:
5,20
